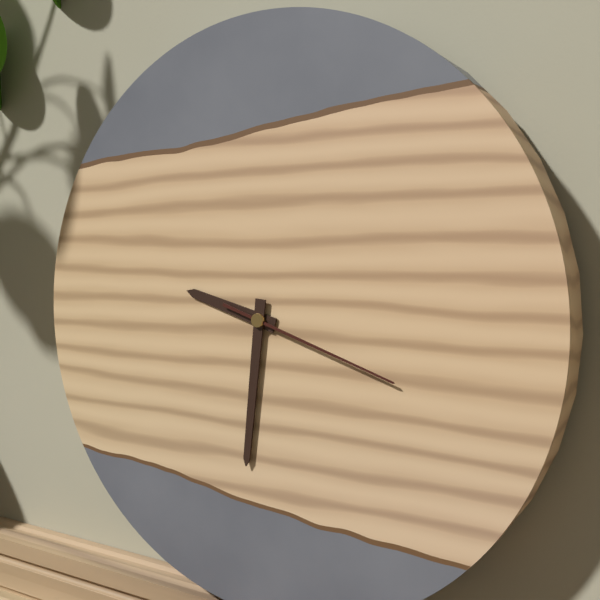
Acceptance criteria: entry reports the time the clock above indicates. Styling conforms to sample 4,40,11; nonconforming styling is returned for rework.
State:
9,31,18
